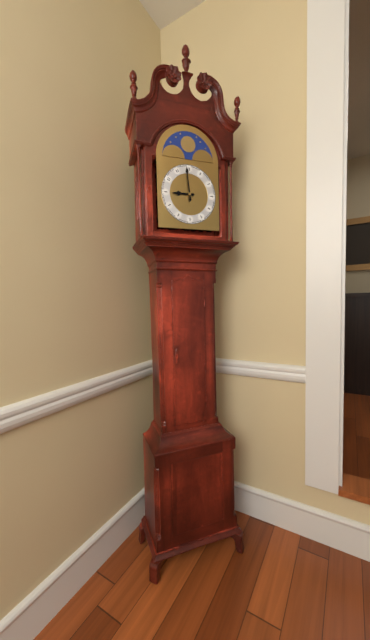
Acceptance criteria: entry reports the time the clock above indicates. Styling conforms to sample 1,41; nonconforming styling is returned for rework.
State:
8,59
